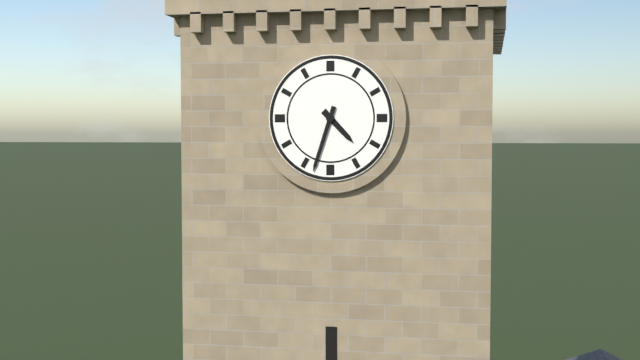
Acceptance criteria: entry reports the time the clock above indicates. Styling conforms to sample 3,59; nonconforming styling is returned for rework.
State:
4,33
